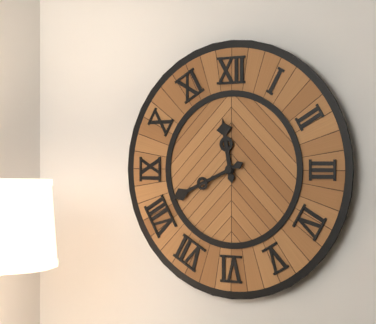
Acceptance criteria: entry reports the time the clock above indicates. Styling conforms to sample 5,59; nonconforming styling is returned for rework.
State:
11,41
